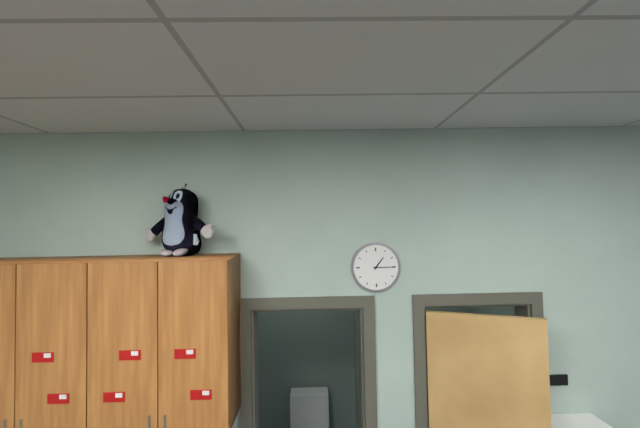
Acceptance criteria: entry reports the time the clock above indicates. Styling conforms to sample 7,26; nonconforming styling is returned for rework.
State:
1,15
